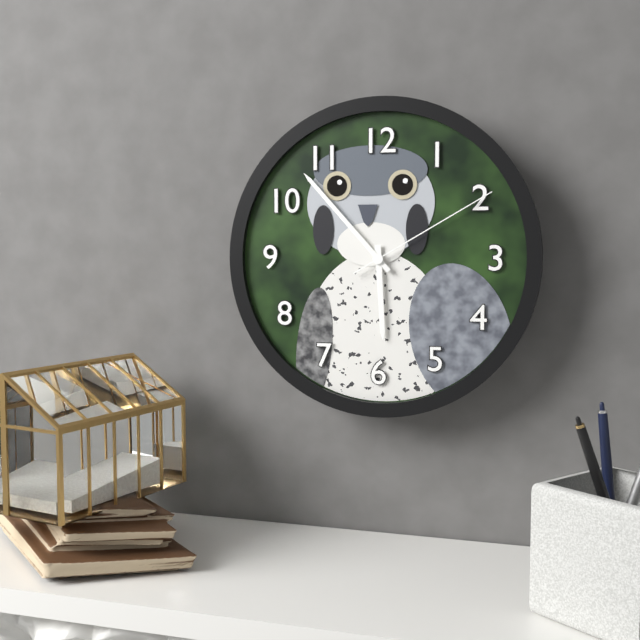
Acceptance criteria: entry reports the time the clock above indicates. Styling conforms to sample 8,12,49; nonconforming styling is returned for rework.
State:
5,53,10
